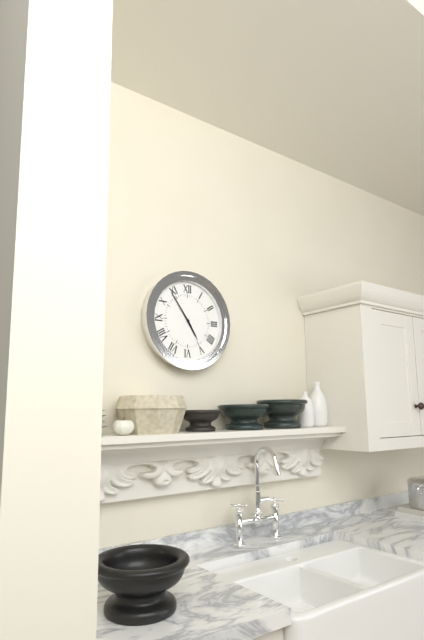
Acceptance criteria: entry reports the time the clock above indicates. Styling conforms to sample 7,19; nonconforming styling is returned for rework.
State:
4,54
